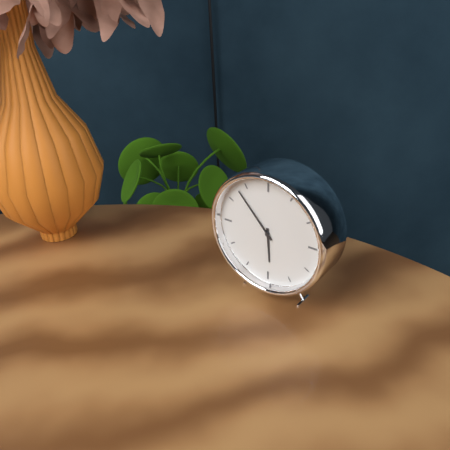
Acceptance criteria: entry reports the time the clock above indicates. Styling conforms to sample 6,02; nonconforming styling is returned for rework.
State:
5,53
